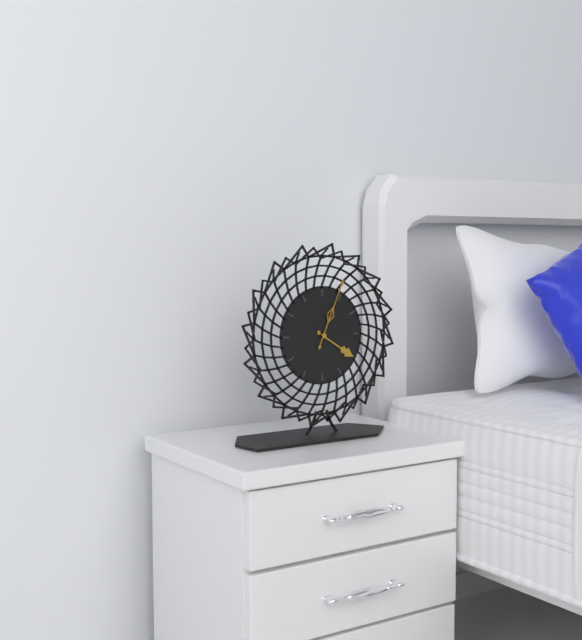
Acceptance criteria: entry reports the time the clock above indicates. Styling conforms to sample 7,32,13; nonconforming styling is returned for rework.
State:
4,04,04
